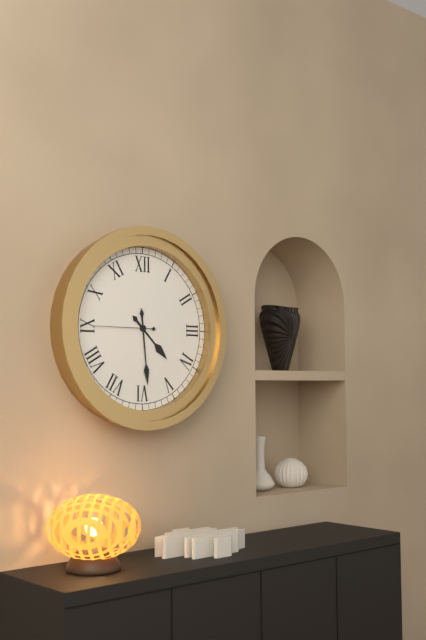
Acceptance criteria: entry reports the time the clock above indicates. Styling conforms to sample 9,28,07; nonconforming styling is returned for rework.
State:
4,29,45
